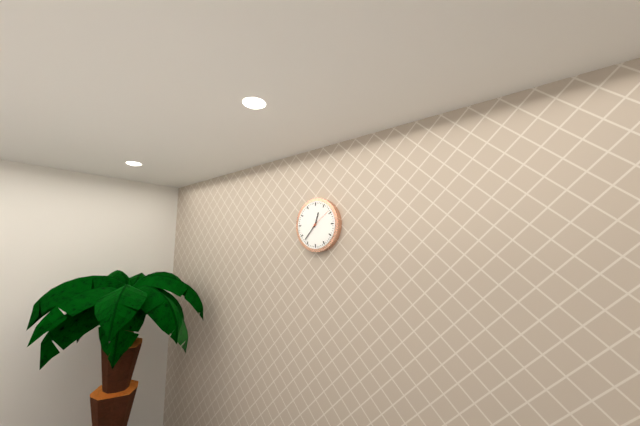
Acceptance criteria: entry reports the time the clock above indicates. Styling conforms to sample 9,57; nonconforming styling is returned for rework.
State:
12,37
